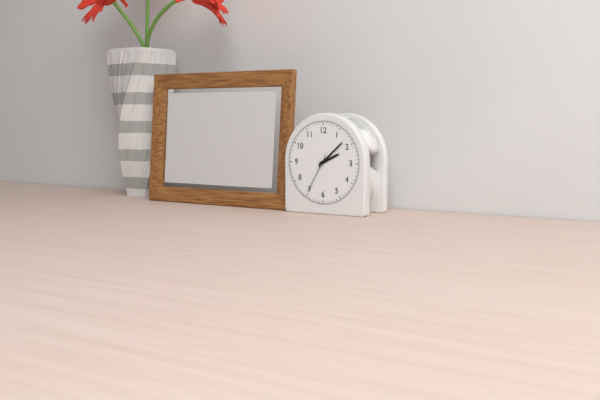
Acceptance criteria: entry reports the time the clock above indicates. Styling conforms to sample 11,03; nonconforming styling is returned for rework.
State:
2,08
